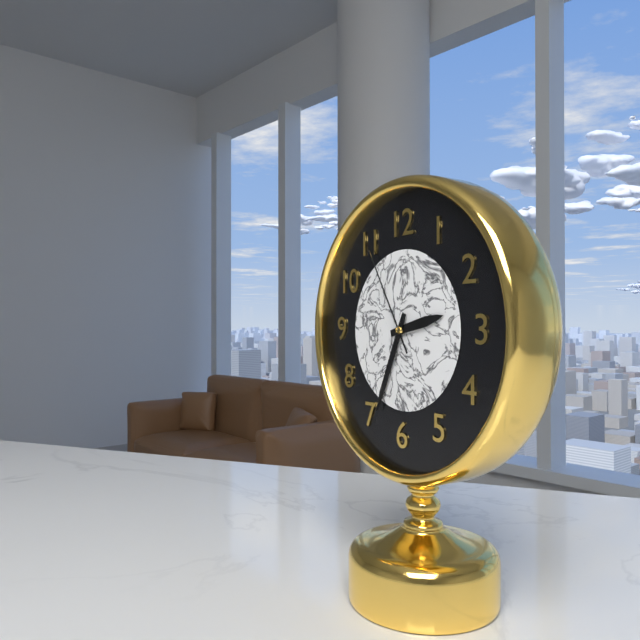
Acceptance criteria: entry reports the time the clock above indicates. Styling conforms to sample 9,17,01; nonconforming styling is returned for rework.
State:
2,34,55
